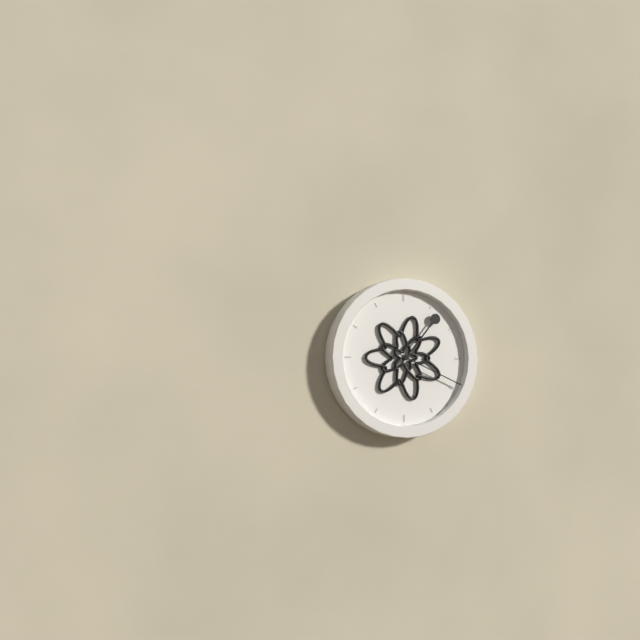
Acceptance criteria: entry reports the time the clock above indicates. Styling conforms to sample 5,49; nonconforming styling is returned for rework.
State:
1,19
